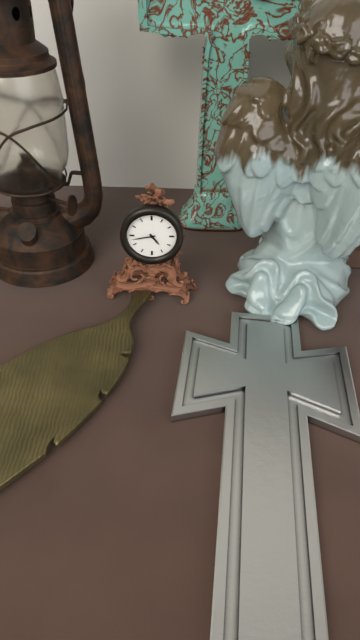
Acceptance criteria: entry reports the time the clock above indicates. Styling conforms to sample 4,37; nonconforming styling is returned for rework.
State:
4,43
